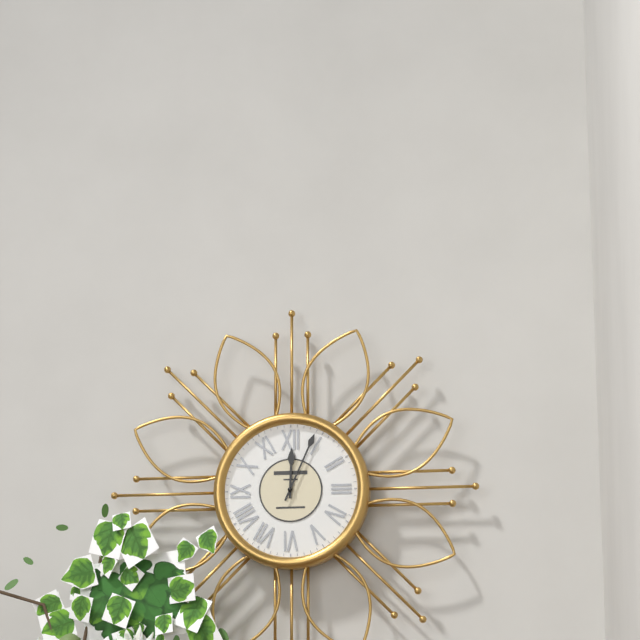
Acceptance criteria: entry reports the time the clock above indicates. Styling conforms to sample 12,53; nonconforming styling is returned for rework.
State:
12,04
